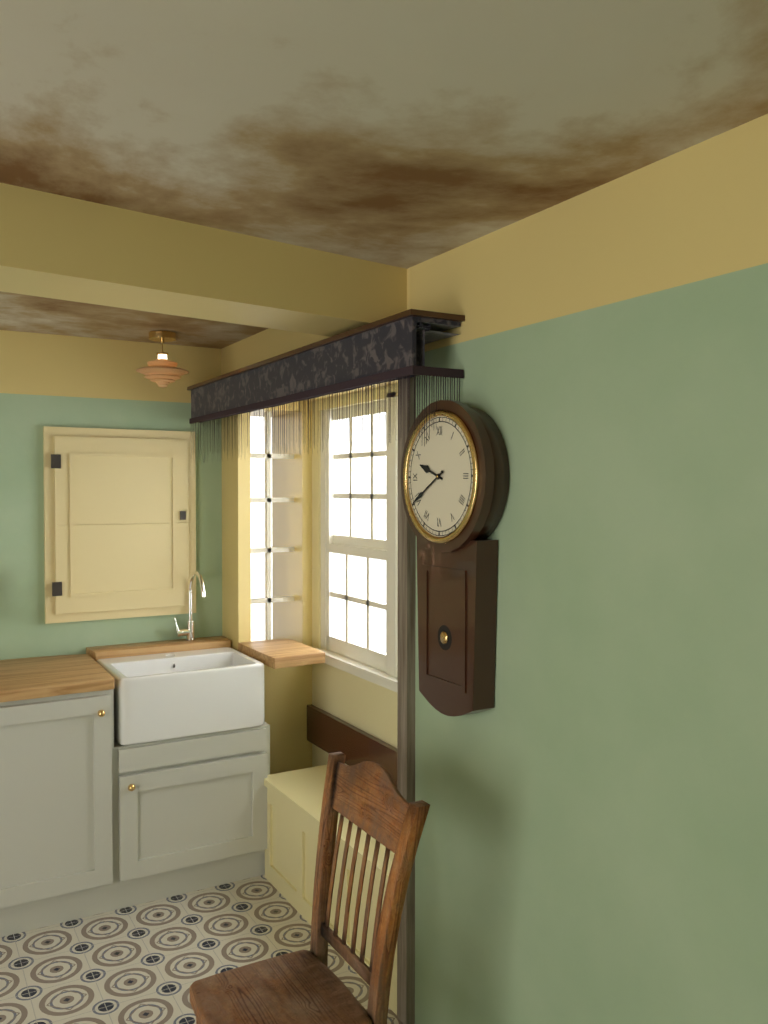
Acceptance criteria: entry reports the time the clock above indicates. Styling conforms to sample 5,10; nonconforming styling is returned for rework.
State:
9,40
